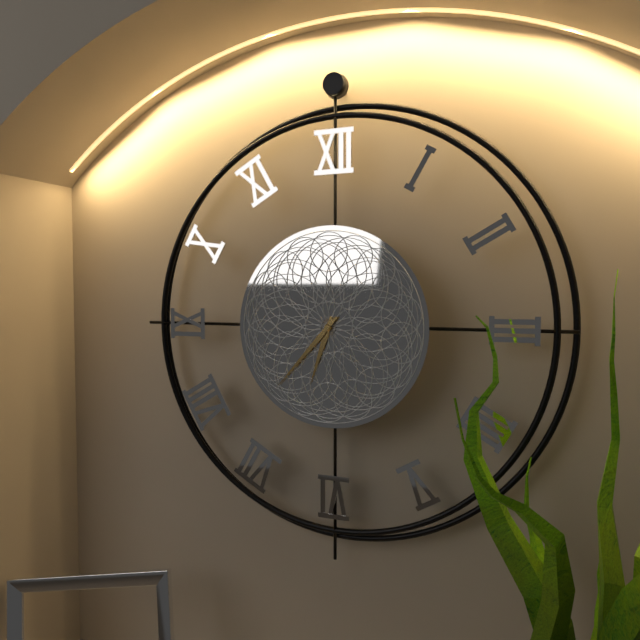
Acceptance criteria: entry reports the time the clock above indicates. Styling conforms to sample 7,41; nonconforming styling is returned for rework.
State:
6,37
